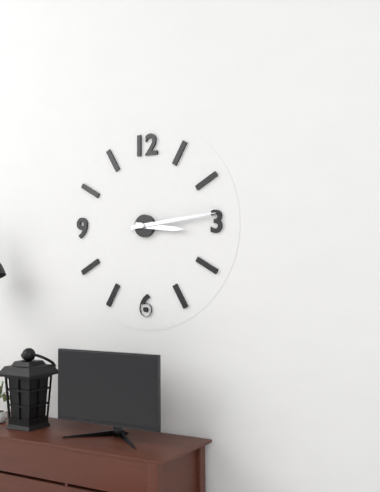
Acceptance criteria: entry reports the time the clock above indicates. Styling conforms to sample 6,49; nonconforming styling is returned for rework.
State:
3,14
